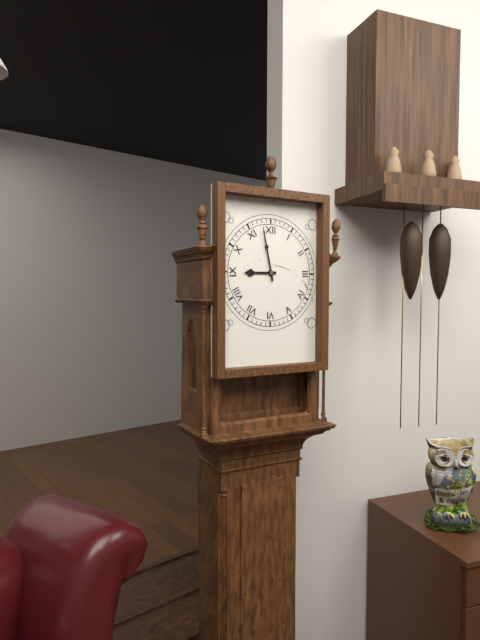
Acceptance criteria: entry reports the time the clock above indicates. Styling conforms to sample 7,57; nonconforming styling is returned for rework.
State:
8,58
